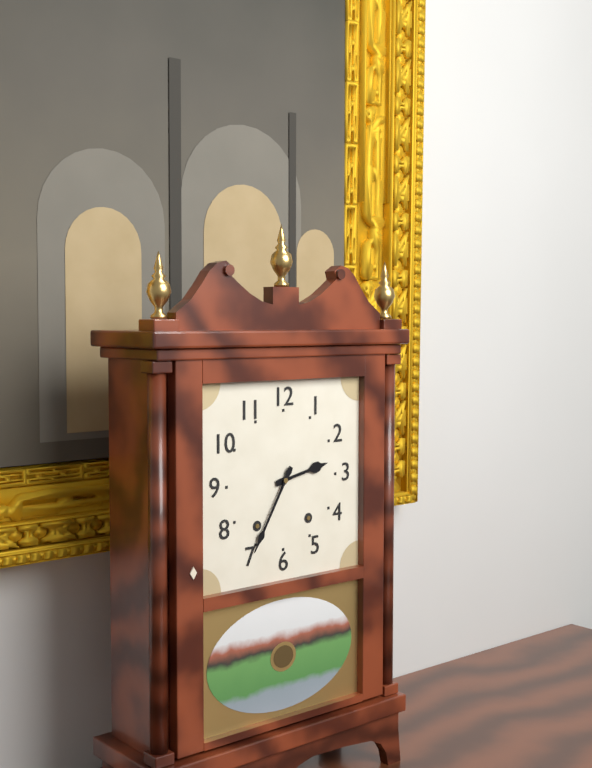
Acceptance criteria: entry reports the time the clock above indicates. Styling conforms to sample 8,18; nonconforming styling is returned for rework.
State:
2,35
